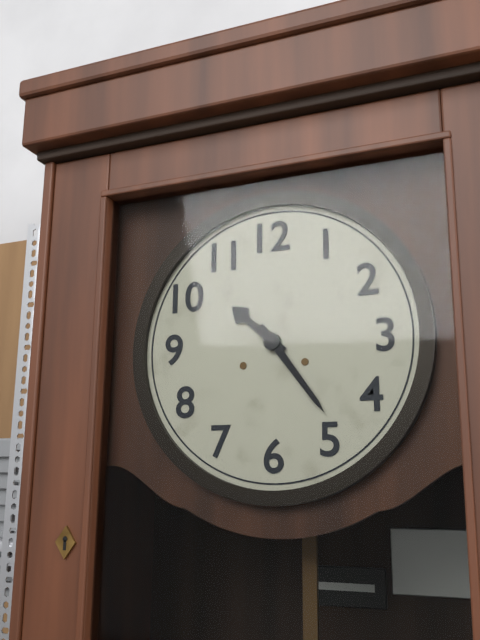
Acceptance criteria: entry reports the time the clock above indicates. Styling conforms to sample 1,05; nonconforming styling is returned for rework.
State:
10,24
